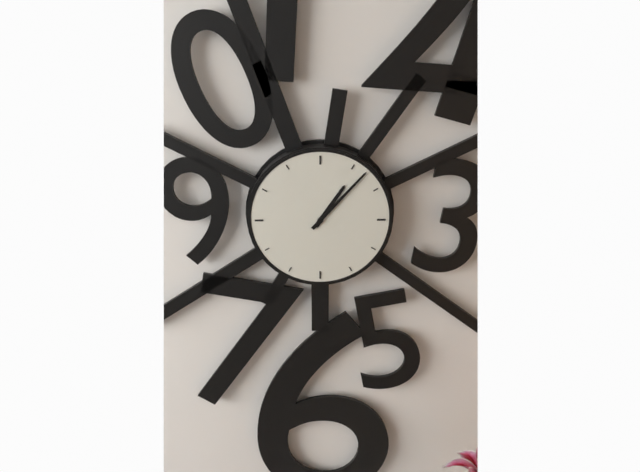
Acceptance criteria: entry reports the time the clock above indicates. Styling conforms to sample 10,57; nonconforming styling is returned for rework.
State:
1,07
